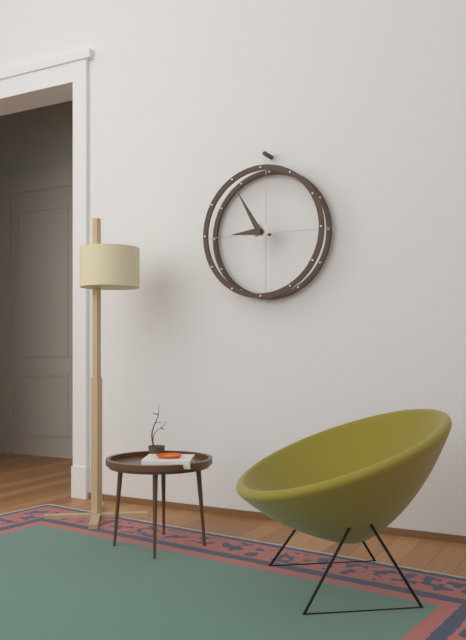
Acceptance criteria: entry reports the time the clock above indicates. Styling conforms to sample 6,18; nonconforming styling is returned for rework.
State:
8,55
